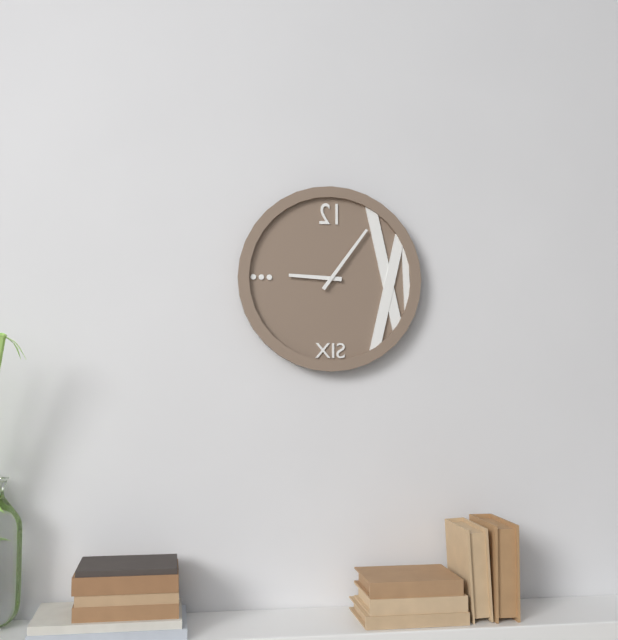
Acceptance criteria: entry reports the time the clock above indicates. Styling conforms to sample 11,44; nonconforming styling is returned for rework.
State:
9,06
